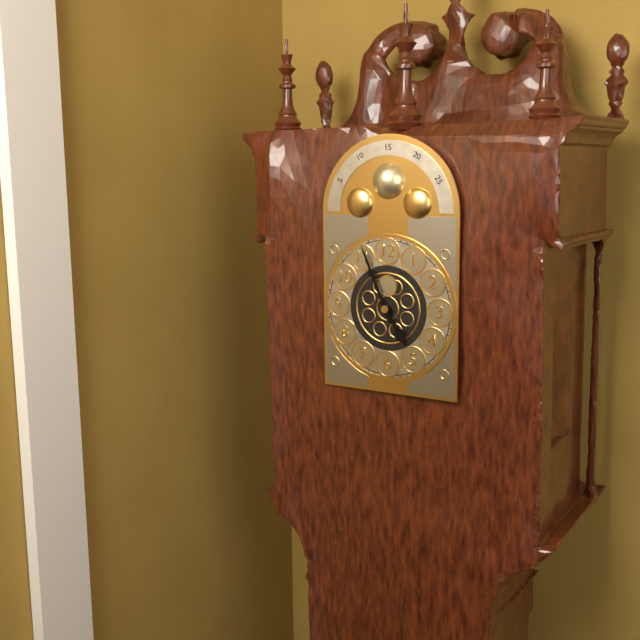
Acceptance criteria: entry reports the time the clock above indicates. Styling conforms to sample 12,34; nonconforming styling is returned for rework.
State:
4,56
